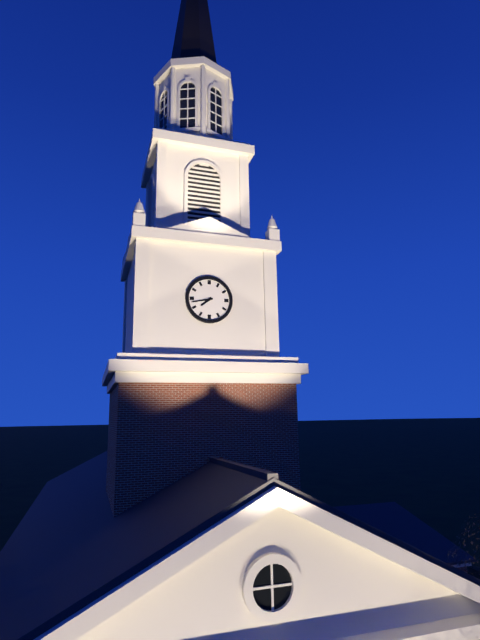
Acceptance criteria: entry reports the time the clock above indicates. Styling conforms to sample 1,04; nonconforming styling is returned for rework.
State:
7,43
